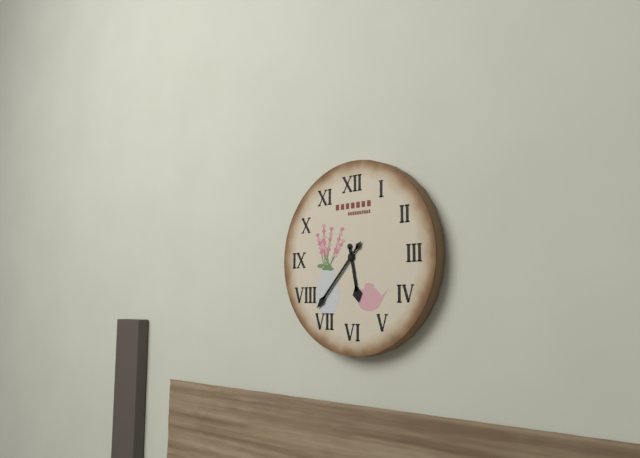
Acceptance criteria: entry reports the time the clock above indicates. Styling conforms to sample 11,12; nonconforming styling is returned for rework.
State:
5,37
